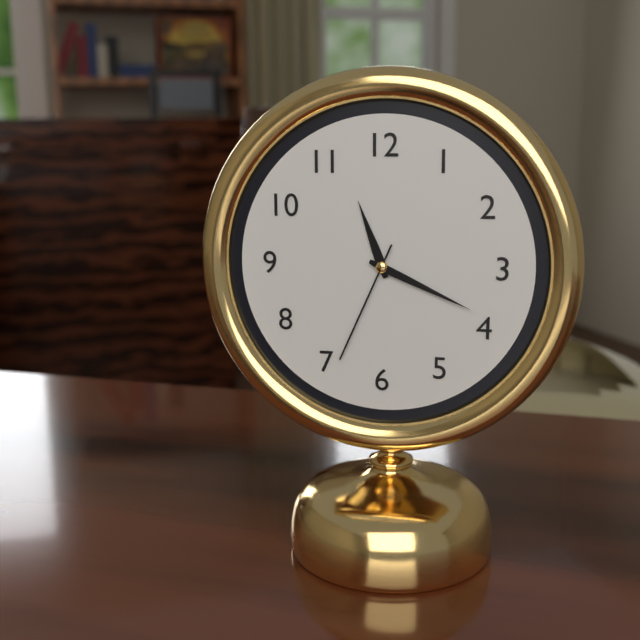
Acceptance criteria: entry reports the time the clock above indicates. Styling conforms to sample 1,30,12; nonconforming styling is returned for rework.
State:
11,19,34
